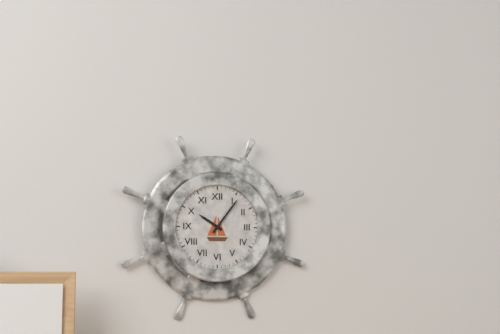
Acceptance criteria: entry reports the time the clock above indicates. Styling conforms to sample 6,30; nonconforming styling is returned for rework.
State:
10,06
